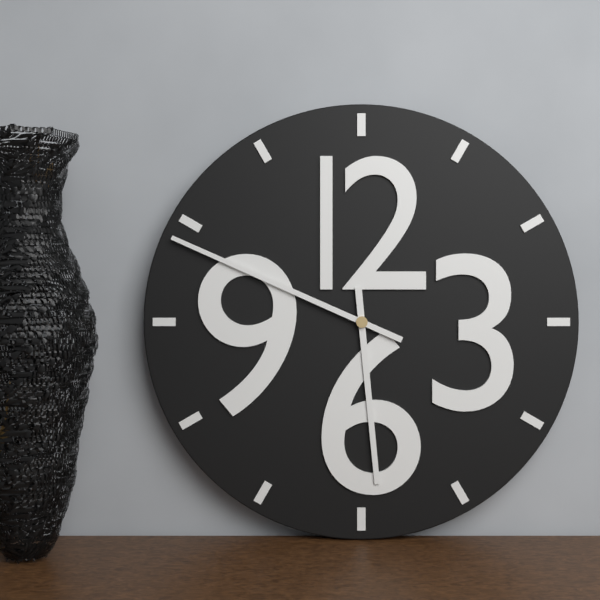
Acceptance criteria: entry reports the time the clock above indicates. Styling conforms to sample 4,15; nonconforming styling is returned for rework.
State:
5,49
